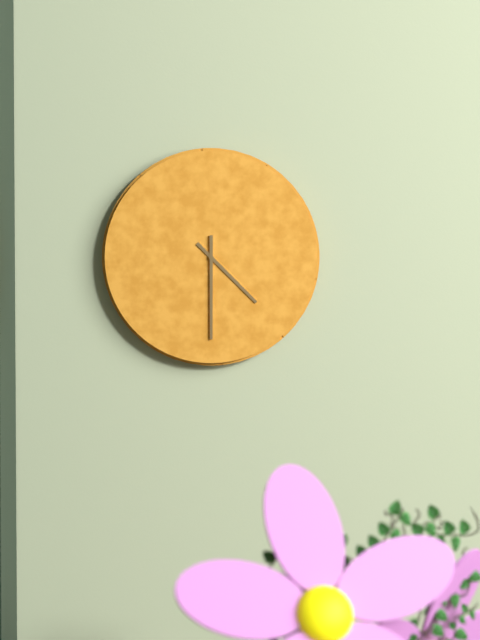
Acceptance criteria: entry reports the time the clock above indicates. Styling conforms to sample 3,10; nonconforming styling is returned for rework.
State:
4,30
